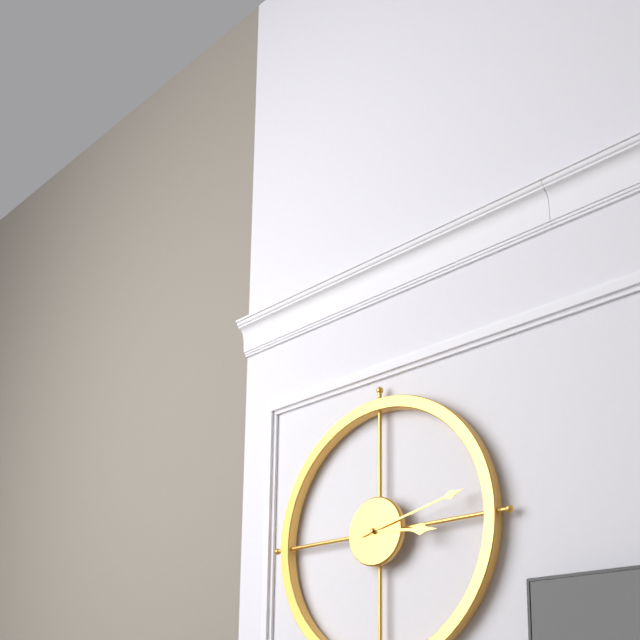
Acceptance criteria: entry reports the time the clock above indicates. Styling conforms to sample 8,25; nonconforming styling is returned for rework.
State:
3,13
